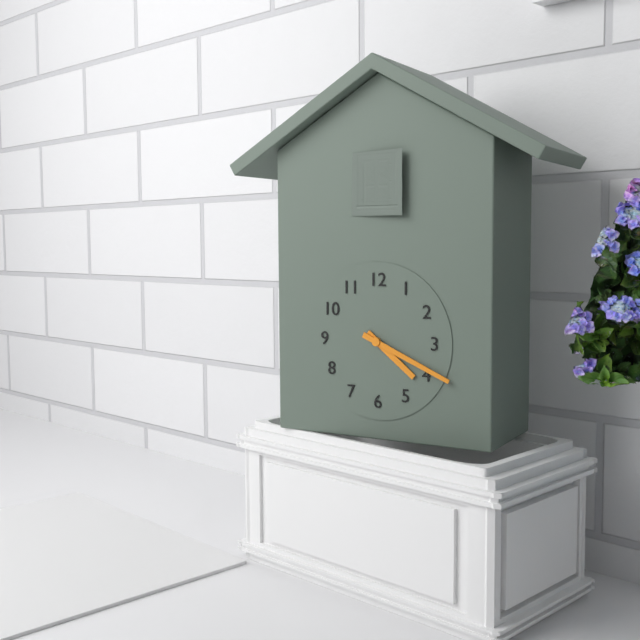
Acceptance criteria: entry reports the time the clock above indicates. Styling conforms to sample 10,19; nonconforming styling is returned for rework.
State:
4,19
